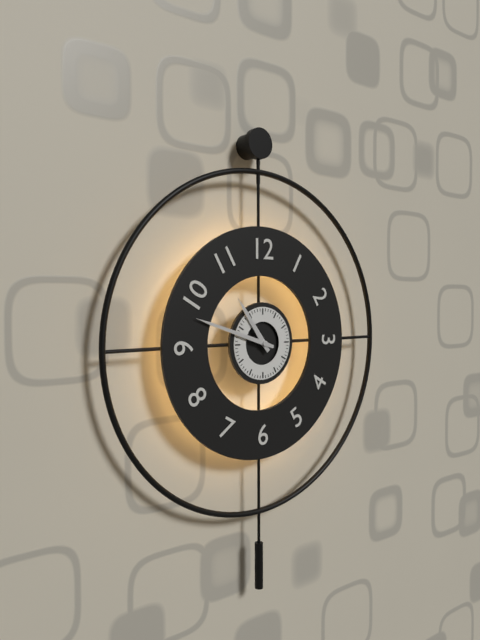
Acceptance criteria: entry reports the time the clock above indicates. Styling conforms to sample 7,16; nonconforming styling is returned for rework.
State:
10,48
